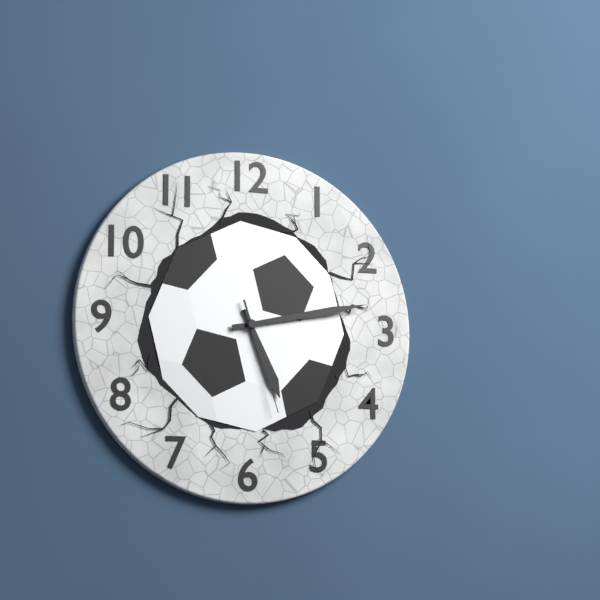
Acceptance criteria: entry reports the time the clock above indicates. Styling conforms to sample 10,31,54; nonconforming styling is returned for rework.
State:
5,13,27
